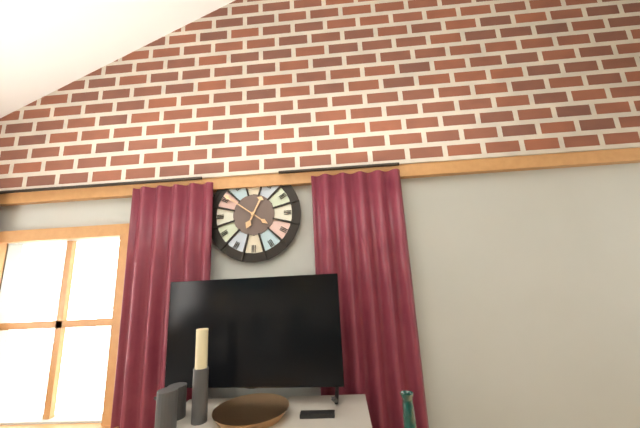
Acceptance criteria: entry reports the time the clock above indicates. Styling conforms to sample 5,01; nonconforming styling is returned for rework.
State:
12,51
